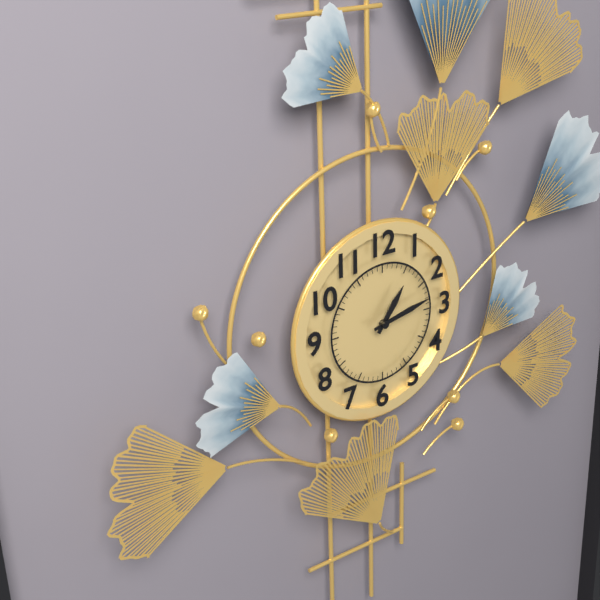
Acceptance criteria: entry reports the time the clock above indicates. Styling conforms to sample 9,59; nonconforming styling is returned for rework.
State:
1,13
